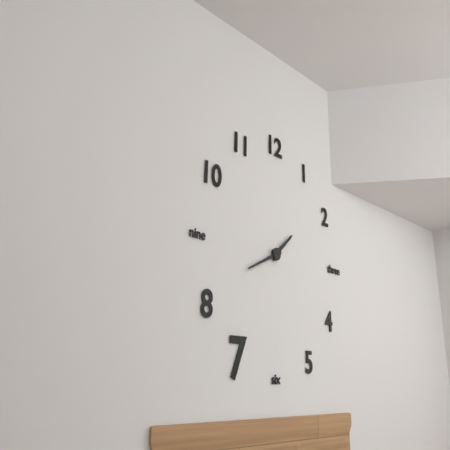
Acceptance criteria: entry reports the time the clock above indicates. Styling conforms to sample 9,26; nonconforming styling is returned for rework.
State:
1,41
